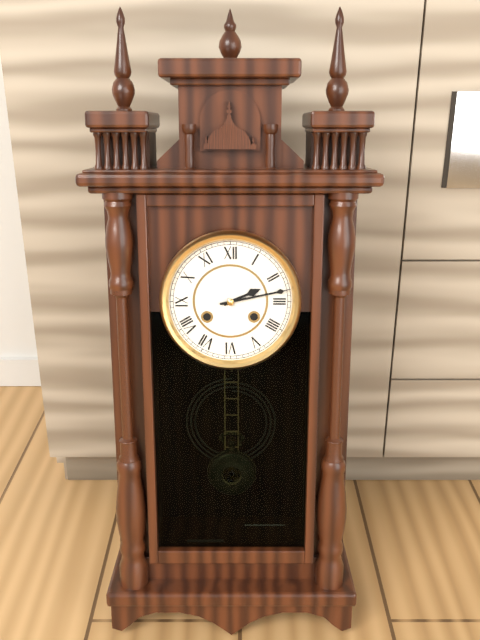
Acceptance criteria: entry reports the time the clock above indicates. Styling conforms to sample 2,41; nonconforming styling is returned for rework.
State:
2,13
